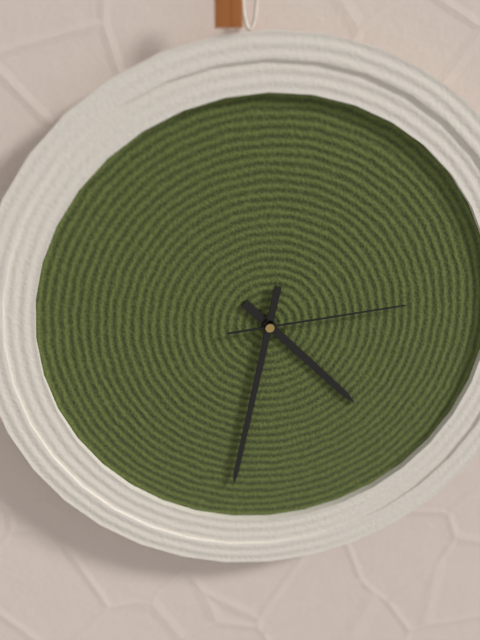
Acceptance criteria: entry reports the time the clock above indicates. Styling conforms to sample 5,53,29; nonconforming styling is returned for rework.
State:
4,32,14
